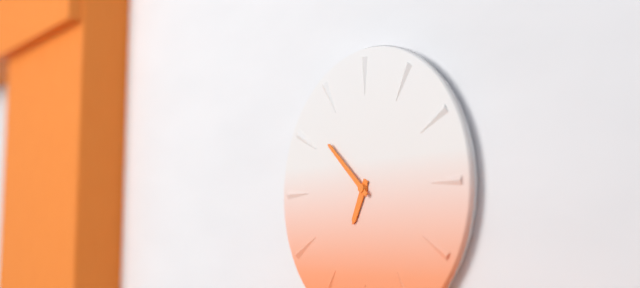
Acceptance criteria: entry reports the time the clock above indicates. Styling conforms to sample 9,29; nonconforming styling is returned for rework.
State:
6,52
